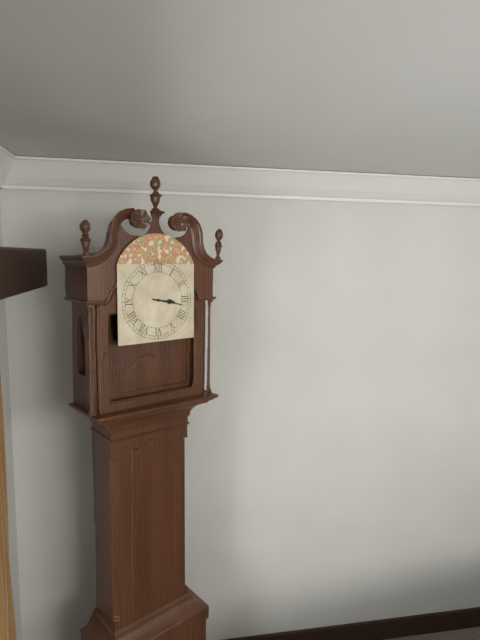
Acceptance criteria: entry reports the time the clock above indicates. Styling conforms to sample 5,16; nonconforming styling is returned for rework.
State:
3,17
